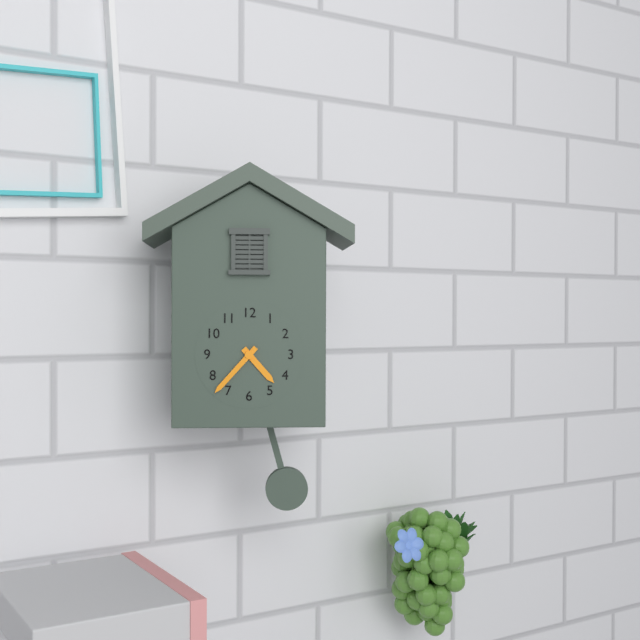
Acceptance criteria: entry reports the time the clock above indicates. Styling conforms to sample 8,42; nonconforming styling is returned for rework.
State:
4,37
